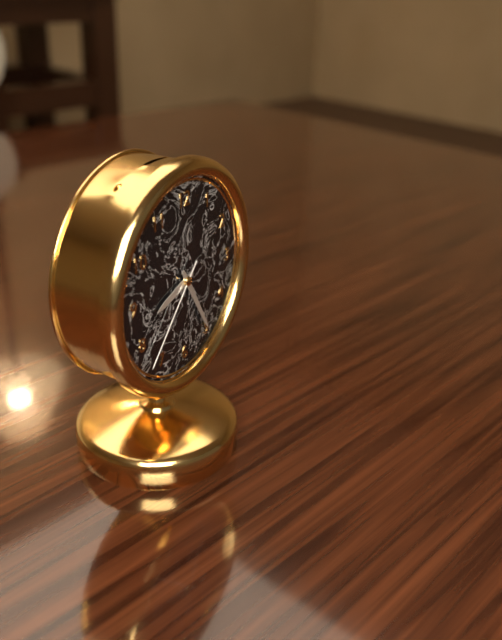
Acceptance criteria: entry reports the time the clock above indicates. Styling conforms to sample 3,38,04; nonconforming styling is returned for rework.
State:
8,25,37
